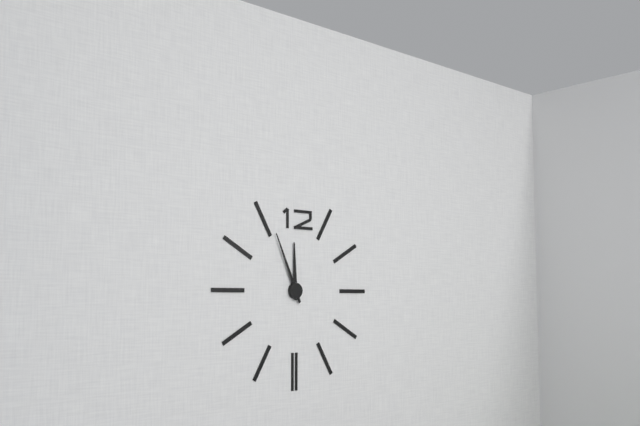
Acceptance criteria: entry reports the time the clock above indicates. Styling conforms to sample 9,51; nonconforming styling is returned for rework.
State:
11,56
